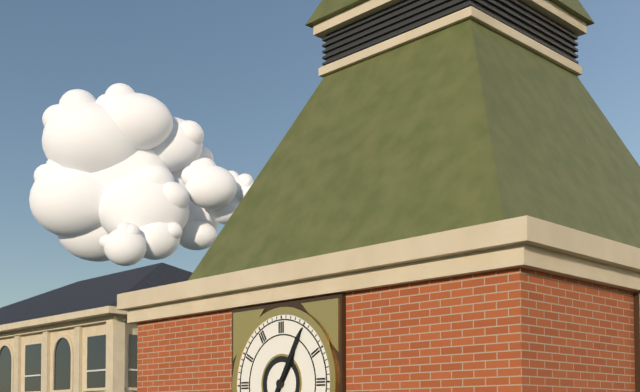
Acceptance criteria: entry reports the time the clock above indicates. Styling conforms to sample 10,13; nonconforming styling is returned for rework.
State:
1,05
